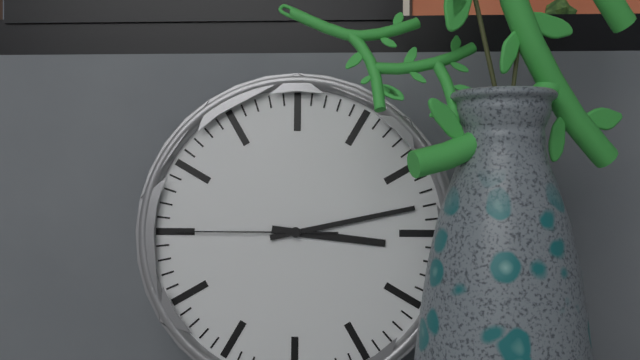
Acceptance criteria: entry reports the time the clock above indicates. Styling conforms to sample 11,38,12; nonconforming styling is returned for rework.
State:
3,13,45
